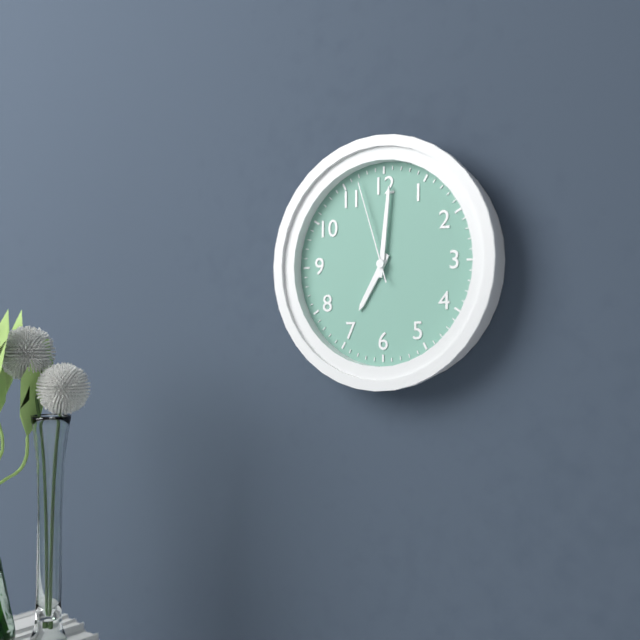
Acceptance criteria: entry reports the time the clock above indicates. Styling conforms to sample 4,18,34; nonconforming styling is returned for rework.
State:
7,01,57
